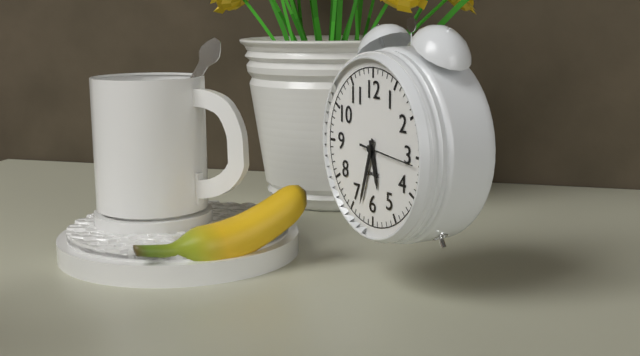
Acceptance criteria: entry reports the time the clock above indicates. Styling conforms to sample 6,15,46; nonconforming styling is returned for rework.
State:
5,33,16
